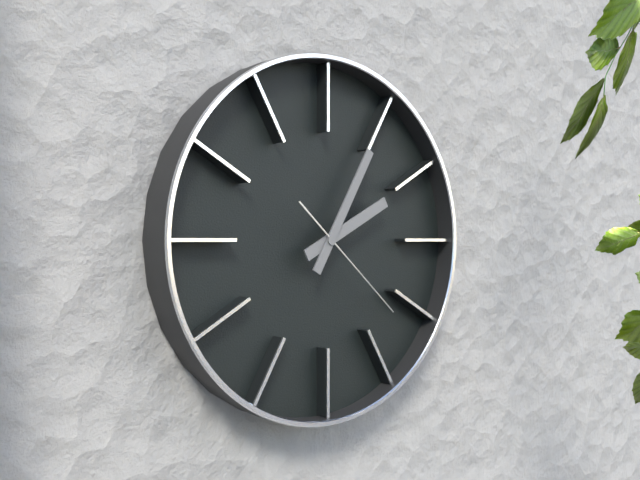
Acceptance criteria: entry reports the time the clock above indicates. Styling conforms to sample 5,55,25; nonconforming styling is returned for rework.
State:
2,05,22
